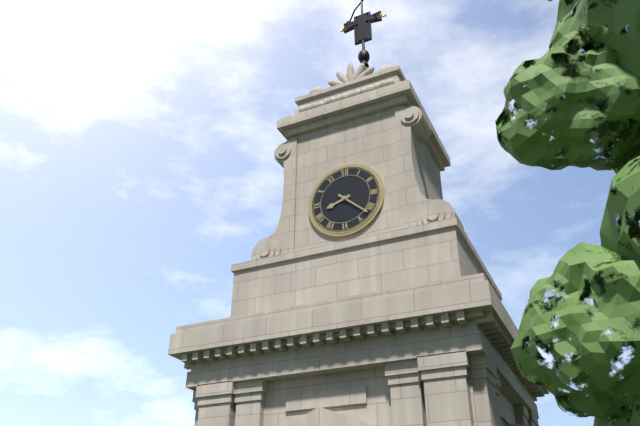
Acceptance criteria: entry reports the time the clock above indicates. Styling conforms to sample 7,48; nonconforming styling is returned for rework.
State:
8,22
